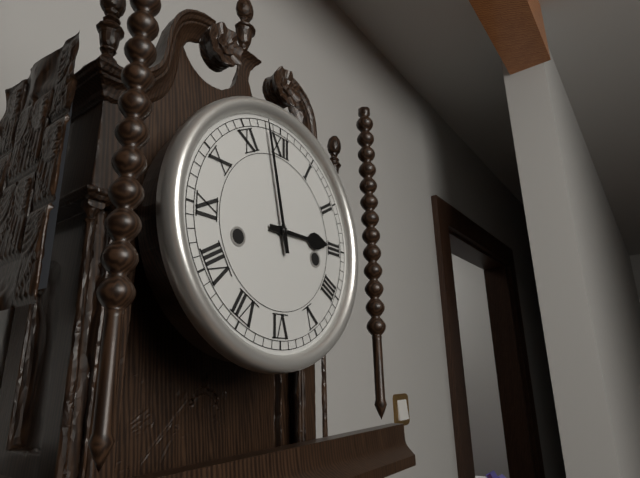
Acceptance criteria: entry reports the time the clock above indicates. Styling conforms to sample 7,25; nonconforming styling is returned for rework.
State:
2,58
